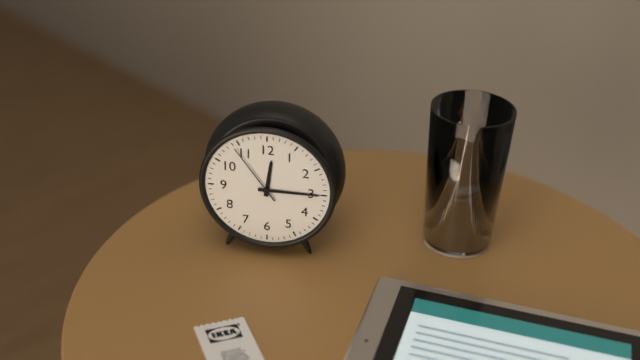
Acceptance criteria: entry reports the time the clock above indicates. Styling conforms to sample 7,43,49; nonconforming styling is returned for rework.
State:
12,15,54
